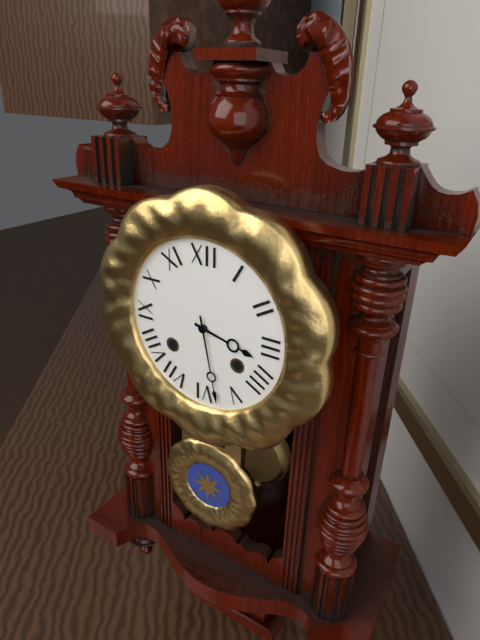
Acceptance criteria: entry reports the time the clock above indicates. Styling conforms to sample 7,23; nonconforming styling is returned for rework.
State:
3,28
